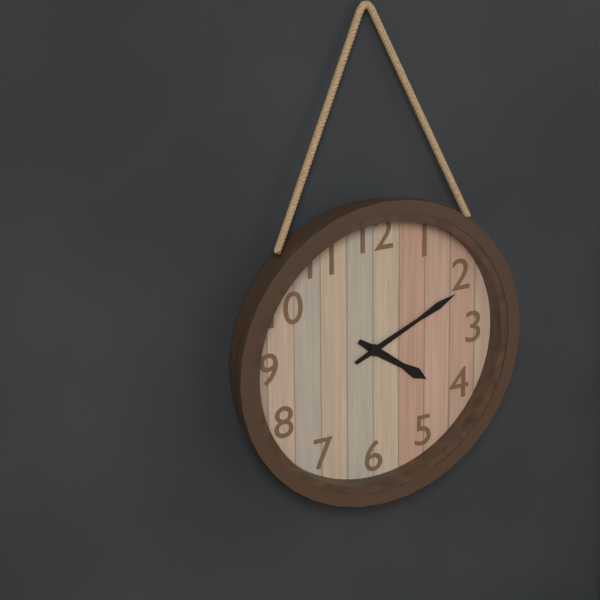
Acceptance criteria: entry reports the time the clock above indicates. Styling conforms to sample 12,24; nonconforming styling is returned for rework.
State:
4,11
